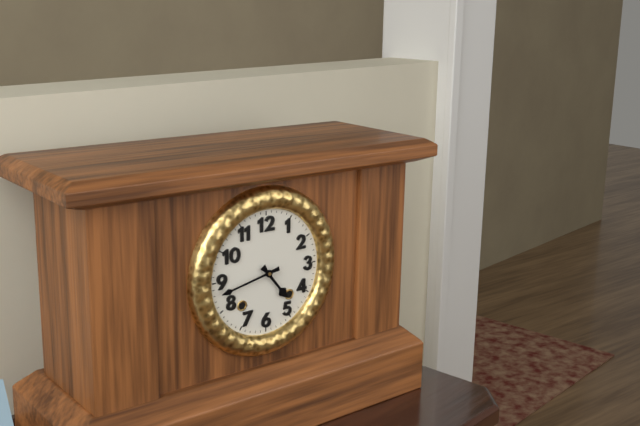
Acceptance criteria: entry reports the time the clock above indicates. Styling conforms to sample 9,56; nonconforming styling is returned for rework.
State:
4,43
